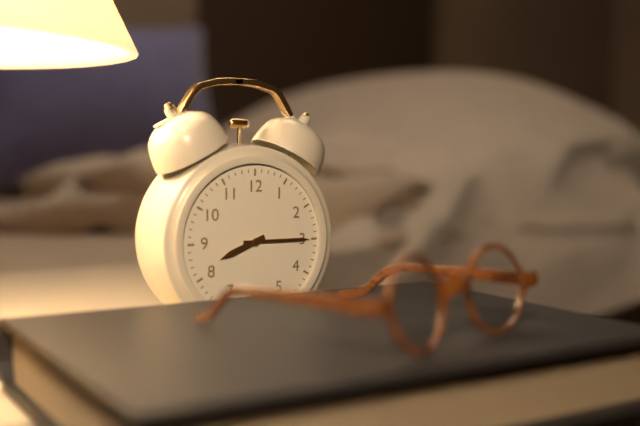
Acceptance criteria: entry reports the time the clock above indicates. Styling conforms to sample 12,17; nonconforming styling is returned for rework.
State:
8,15
